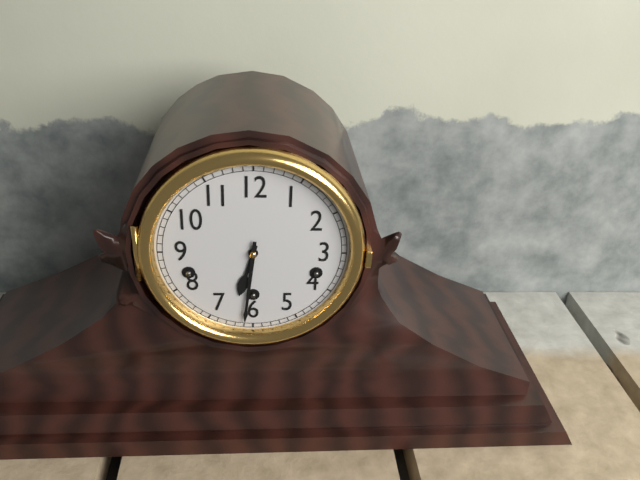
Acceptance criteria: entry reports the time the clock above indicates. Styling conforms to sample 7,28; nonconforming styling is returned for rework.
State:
6,31
